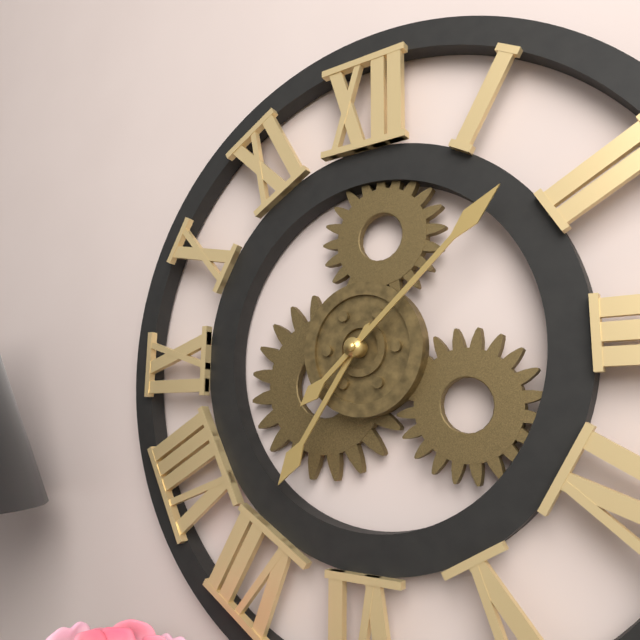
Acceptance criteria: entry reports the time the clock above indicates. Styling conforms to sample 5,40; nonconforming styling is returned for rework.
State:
7,08
